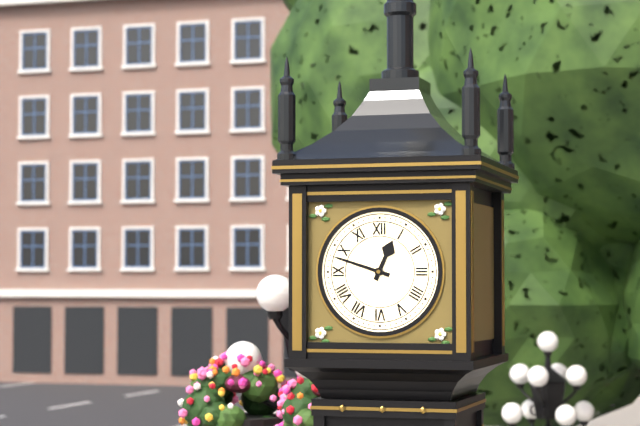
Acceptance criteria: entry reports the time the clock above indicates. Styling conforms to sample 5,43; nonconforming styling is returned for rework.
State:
12,48
